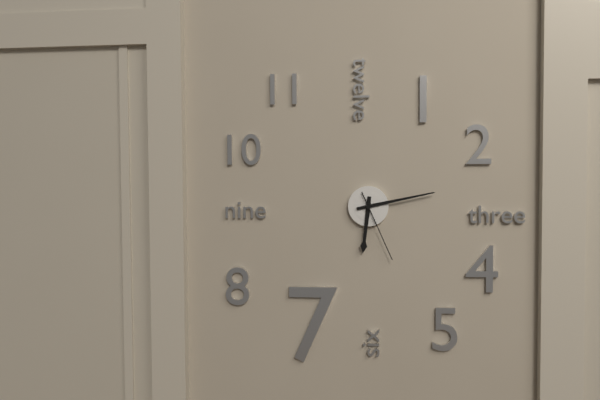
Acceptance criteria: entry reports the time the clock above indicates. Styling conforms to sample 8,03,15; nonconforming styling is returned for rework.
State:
6,13,26
